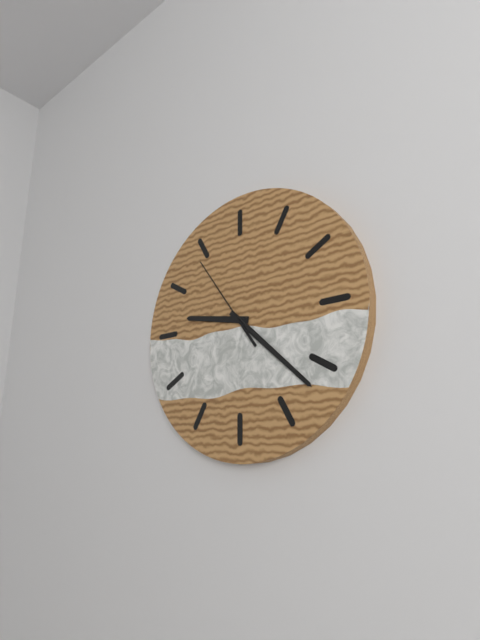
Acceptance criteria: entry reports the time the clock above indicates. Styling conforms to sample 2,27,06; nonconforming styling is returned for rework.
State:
9,22,54
